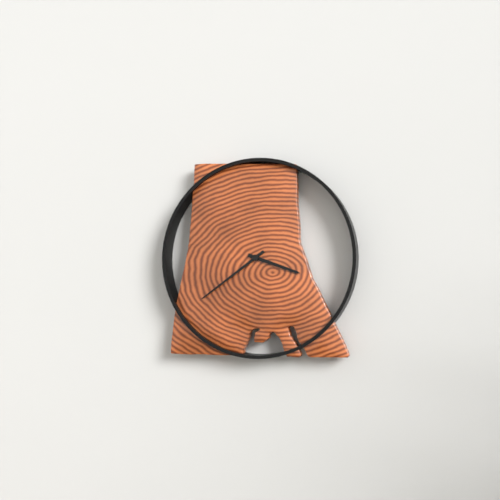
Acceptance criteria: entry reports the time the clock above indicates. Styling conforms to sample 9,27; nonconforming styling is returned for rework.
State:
3,39
